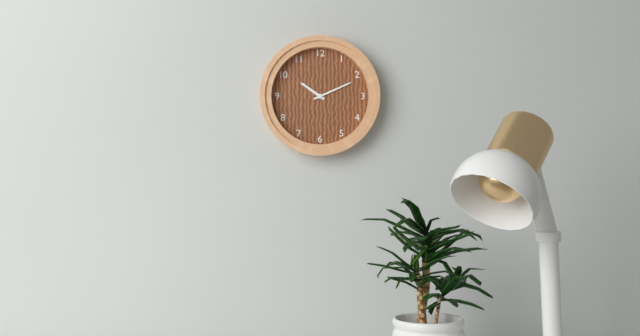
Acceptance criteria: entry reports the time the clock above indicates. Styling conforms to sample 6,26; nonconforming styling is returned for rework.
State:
10,11
